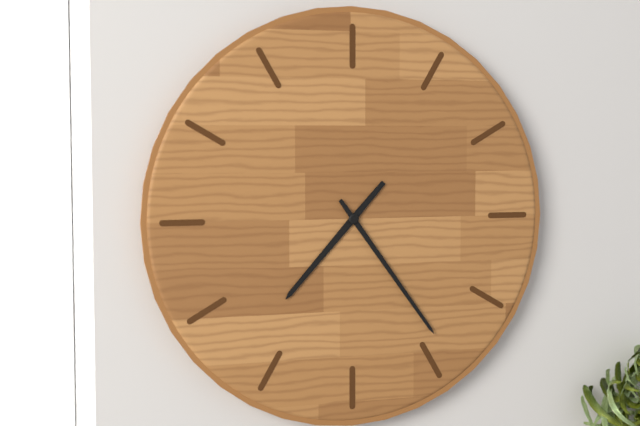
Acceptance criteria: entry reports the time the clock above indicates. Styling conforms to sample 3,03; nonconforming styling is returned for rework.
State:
7,24
